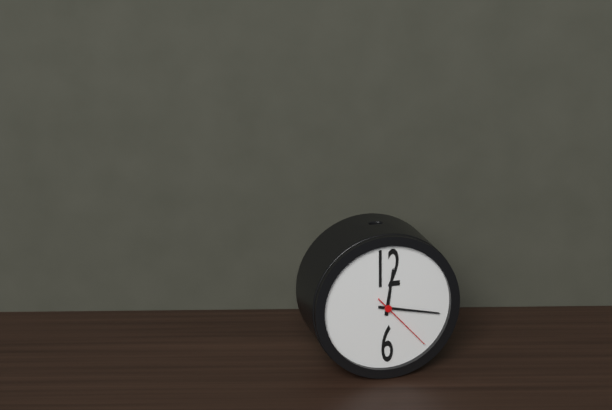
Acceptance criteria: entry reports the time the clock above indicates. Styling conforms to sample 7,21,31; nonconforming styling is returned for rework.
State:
12,17,23
